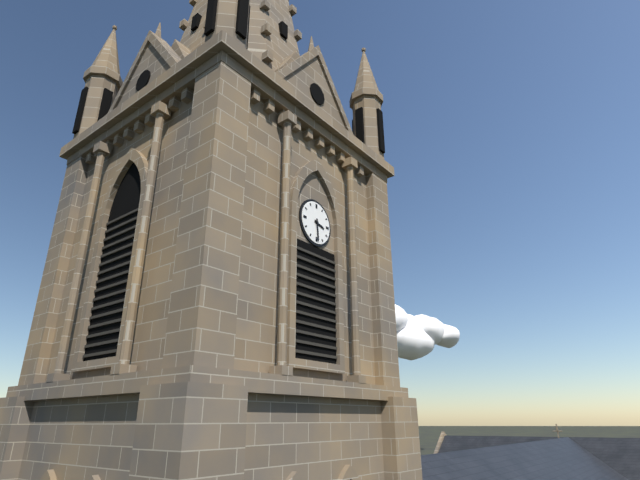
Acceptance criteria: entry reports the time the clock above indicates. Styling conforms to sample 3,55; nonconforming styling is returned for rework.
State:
3,29
